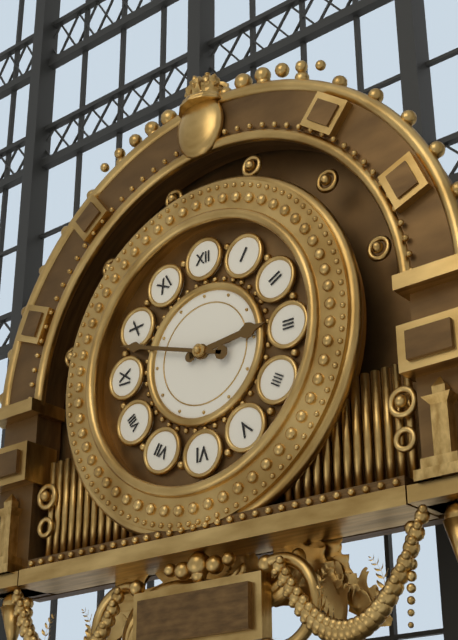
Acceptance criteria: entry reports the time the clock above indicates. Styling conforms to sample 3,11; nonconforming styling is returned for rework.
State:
2,48
